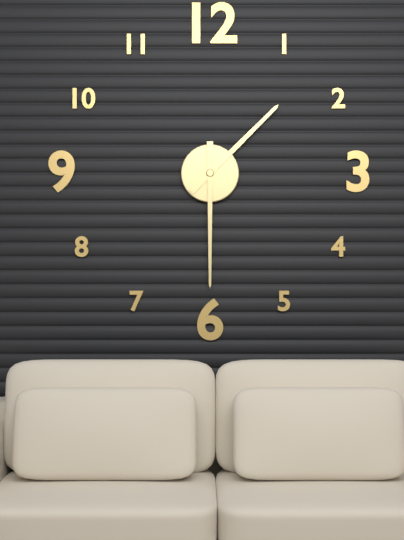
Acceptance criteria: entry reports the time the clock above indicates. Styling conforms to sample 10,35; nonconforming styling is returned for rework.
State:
1,30
